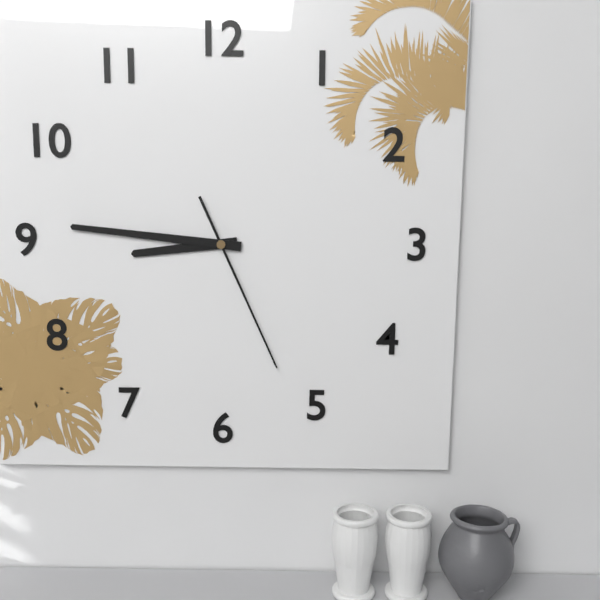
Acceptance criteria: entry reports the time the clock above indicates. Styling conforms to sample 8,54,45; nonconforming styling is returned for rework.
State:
8,46,26
